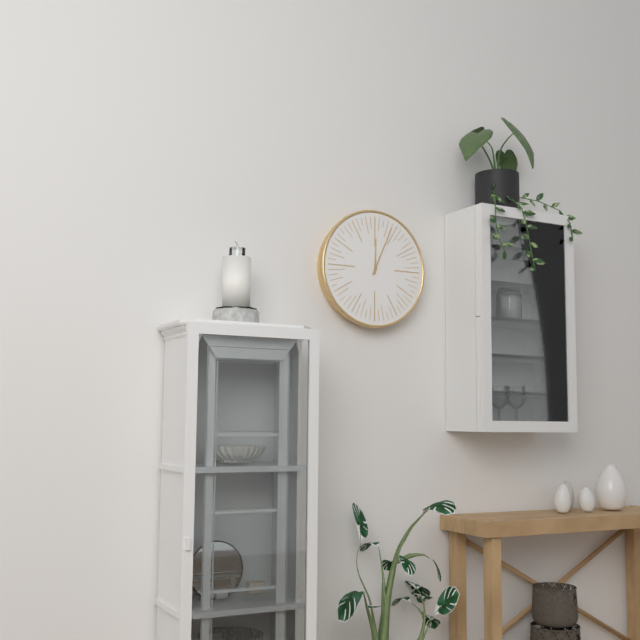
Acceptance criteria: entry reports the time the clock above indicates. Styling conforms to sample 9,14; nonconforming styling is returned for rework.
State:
12,04
